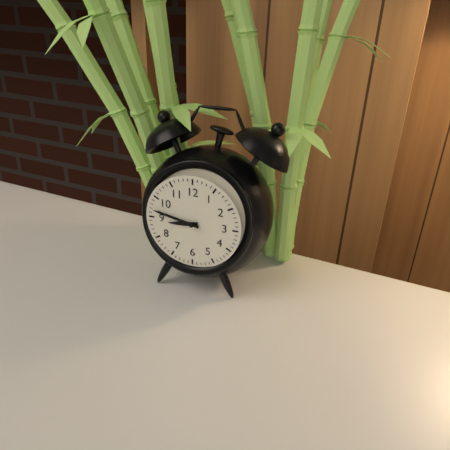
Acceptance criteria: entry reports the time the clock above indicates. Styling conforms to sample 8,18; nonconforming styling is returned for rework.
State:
8,47
